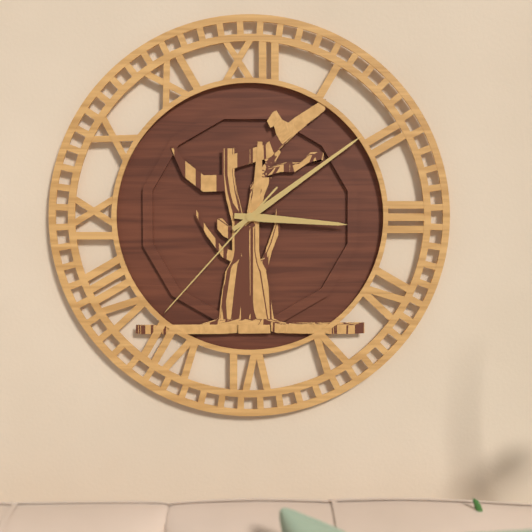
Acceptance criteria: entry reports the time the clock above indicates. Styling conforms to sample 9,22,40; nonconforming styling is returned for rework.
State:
3,09,37
